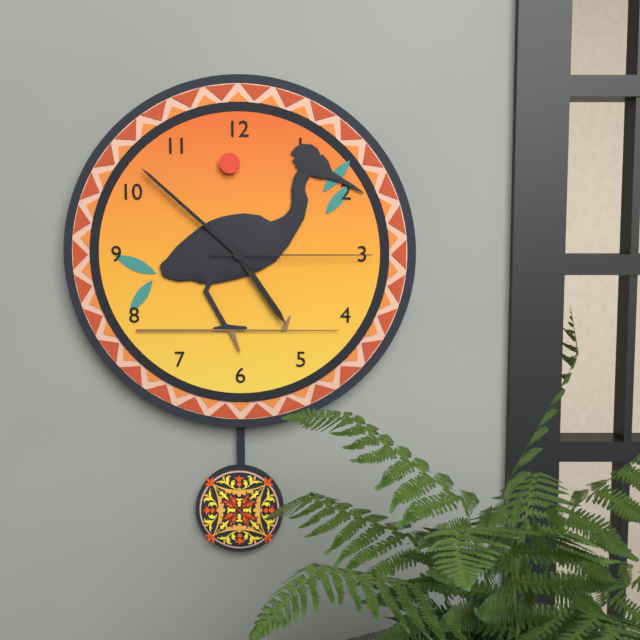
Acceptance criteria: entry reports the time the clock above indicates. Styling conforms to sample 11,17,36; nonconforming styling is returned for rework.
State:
4,52,15
